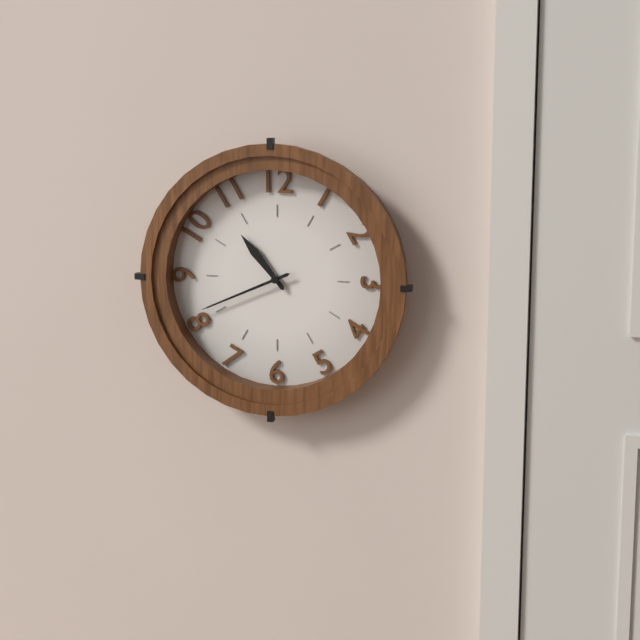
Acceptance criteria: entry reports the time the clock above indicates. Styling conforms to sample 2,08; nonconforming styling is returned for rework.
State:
10,41
